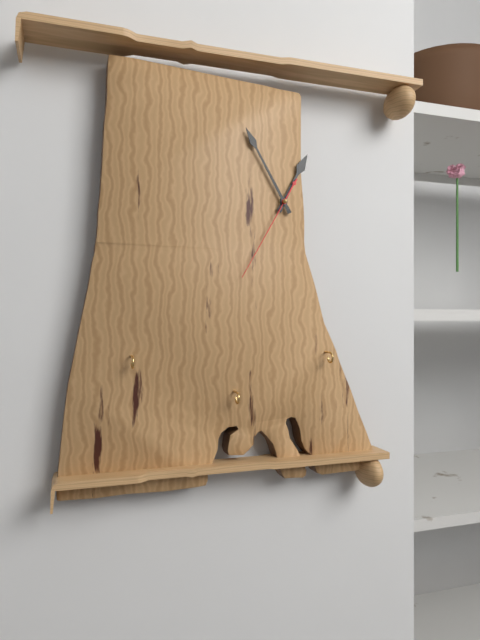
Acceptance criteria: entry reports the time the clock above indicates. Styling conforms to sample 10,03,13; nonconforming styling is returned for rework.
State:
12,55,35
